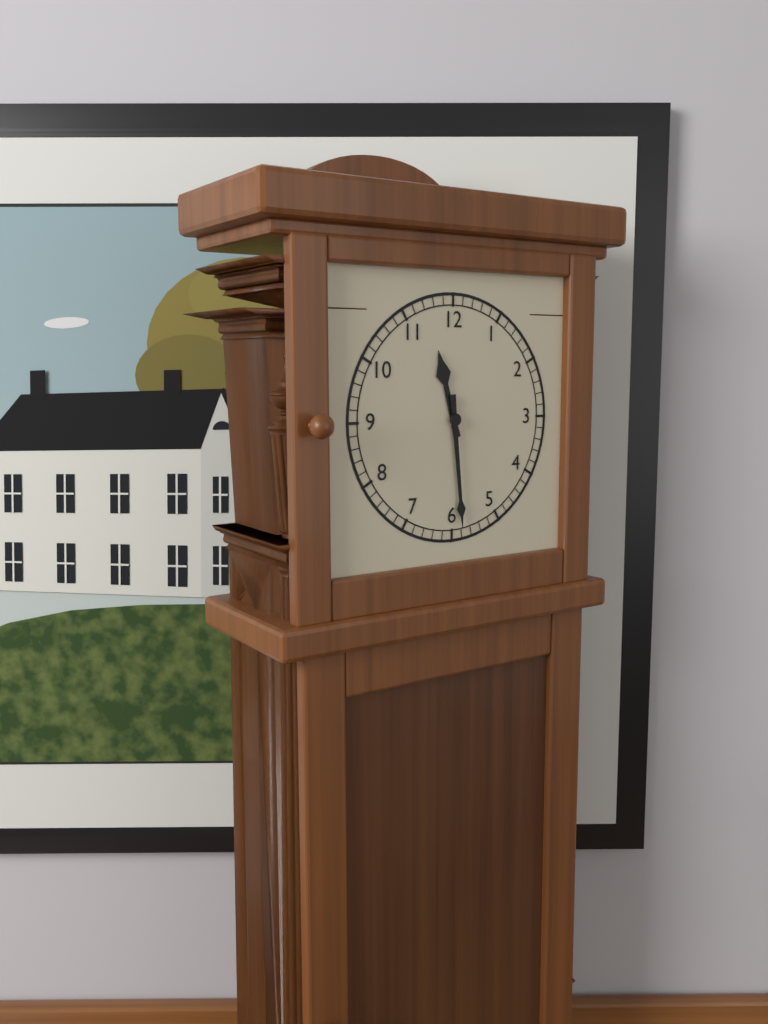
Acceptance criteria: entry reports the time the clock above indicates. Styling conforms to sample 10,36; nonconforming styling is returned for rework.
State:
11,29
